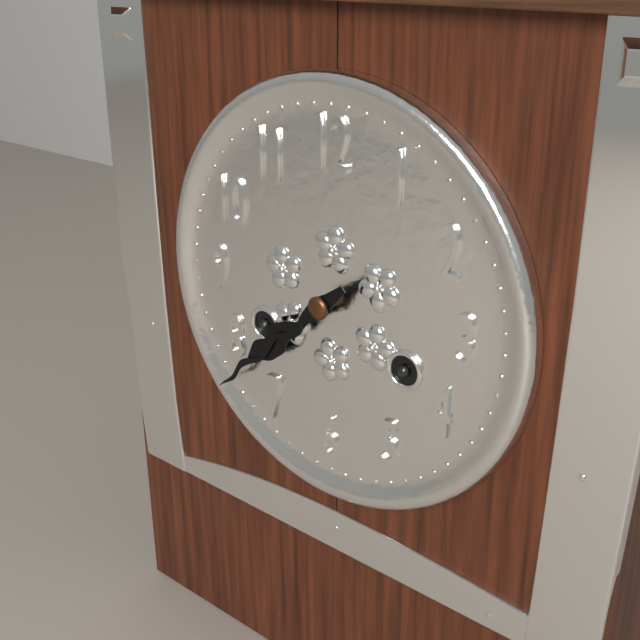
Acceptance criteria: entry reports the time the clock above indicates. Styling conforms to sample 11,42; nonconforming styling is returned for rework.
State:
7,38
